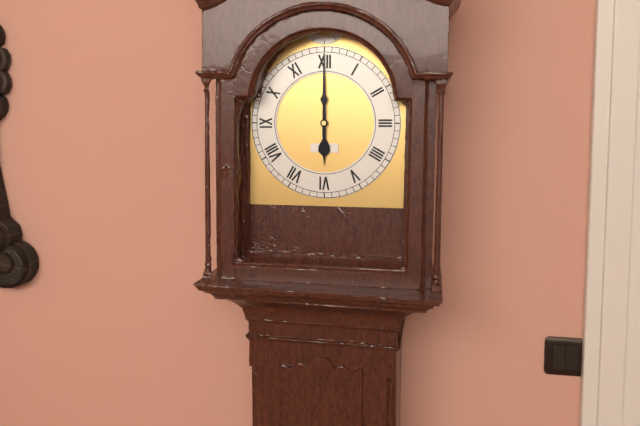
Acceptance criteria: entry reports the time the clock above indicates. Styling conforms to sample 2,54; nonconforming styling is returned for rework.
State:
6,00
